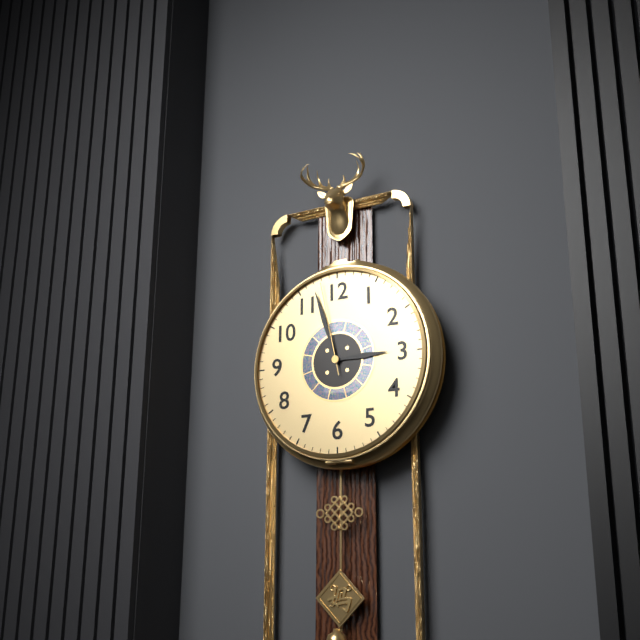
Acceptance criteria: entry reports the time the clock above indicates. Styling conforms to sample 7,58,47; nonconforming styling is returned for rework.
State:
2,57,58
